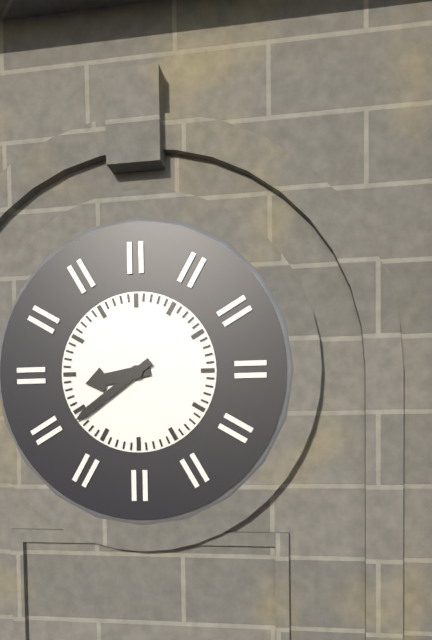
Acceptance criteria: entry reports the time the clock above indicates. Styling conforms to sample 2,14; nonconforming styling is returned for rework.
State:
8,39
